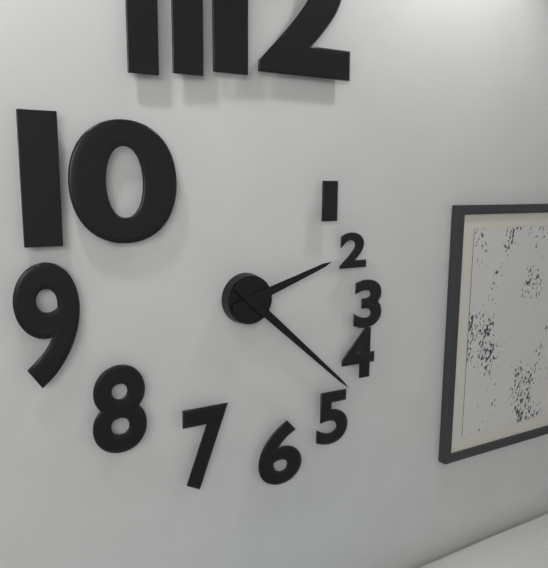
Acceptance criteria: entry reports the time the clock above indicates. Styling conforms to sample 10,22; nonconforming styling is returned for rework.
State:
2,22
